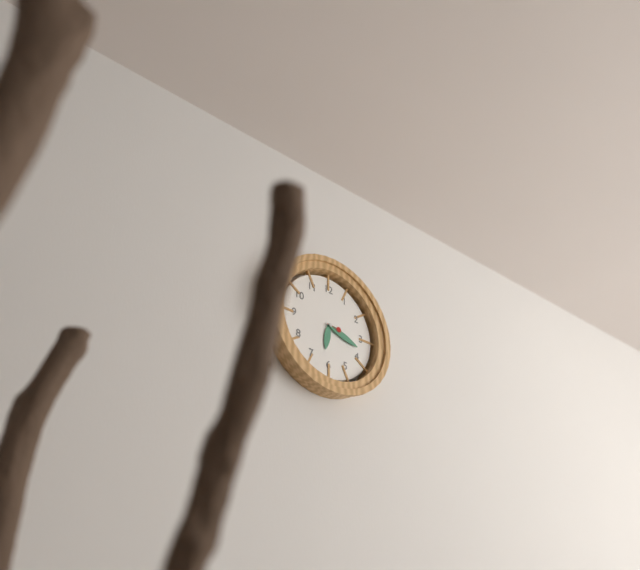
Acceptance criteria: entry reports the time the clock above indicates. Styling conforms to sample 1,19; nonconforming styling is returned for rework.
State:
6,18
